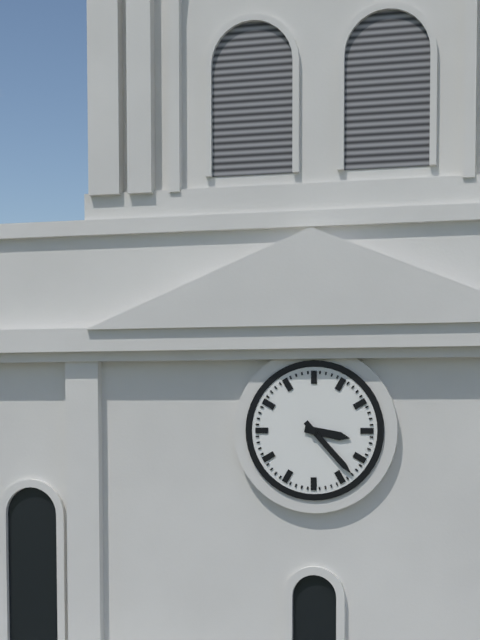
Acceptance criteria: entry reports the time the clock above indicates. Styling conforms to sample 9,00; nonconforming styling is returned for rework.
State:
3,23
